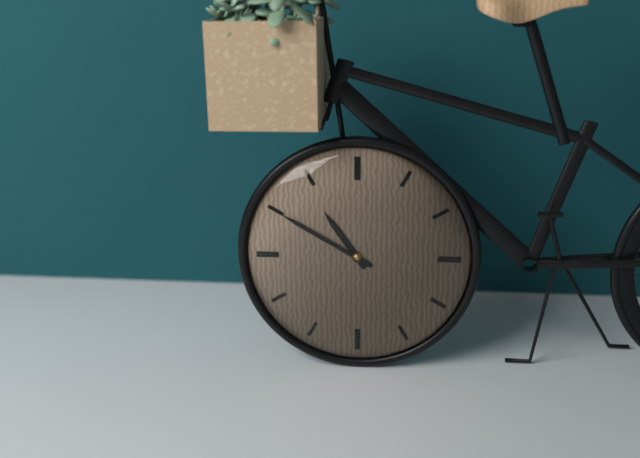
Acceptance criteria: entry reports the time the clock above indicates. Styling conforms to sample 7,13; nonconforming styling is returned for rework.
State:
10,50
